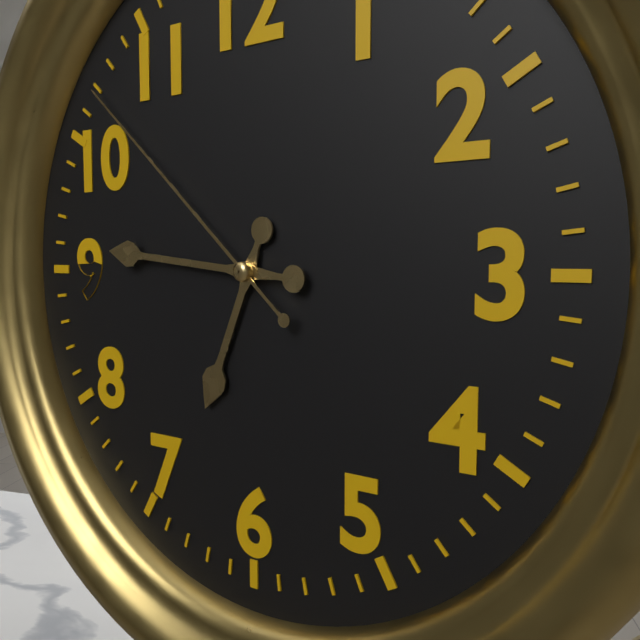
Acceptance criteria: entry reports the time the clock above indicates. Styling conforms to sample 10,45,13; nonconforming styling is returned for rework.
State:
6,46,52
